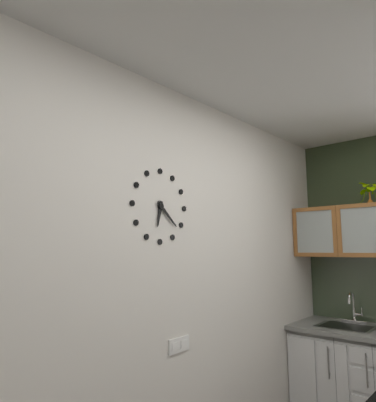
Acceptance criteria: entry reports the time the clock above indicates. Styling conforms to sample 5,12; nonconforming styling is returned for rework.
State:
6,22
